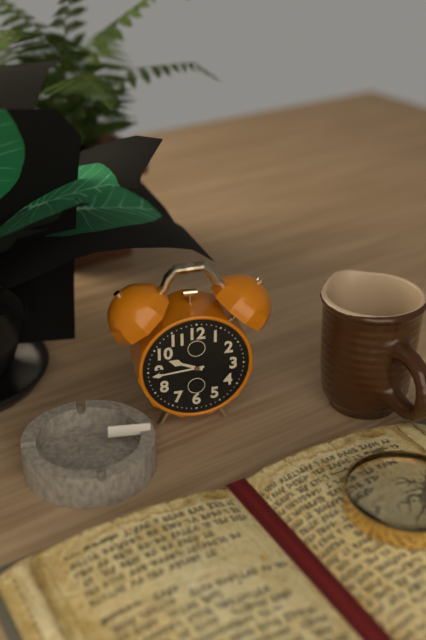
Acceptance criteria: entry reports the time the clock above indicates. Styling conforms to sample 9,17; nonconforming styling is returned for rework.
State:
9,44
